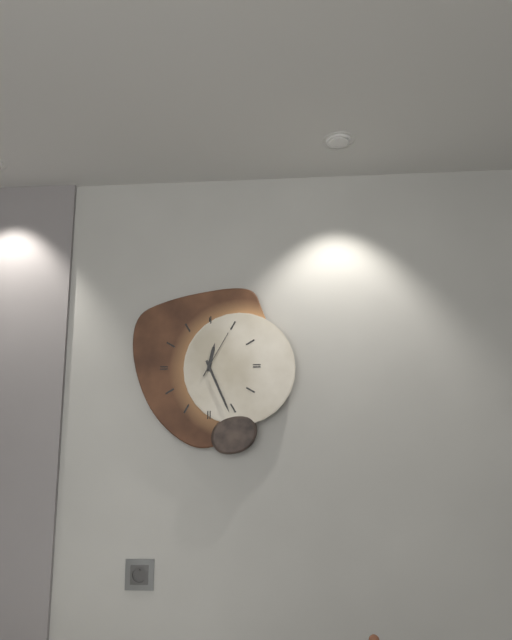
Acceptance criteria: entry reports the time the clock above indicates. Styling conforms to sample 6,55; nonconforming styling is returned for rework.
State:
12,26
